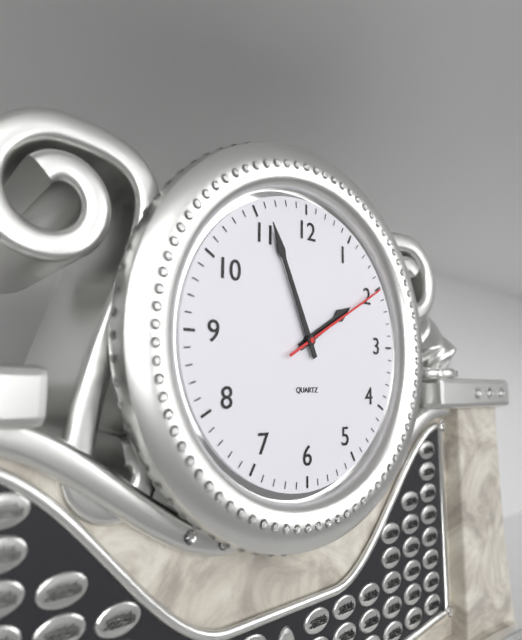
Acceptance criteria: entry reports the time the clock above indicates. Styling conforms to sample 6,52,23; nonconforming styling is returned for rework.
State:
1,56,10
